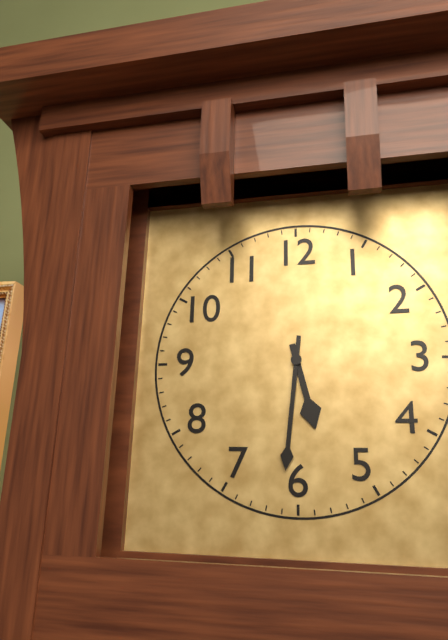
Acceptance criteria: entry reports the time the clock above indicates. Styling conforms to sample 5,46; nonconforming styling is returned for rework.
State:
5,31
